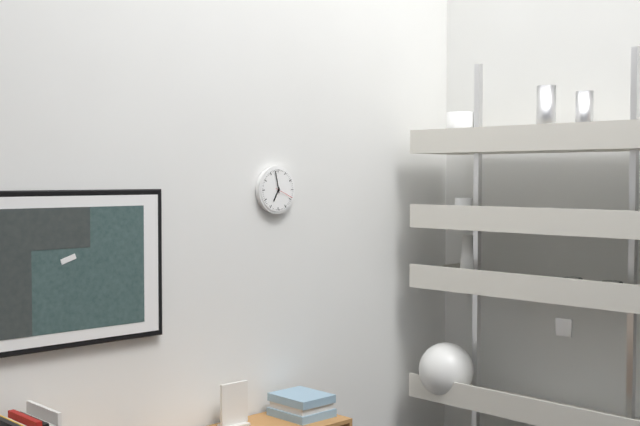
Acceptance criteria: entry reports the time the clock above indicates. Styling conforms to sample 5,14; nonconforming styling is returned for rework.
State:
6,58
